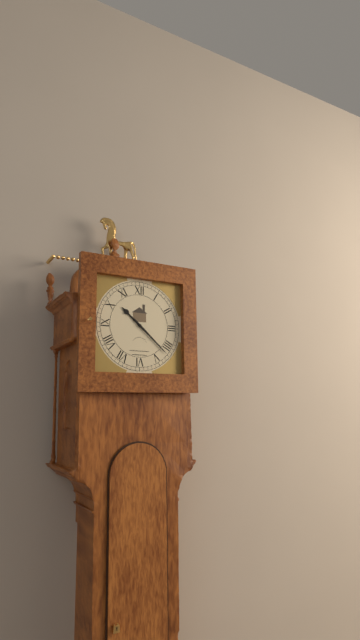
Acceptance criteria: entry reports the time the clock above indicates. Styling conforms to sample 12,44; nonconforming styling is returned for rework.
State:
10,22
